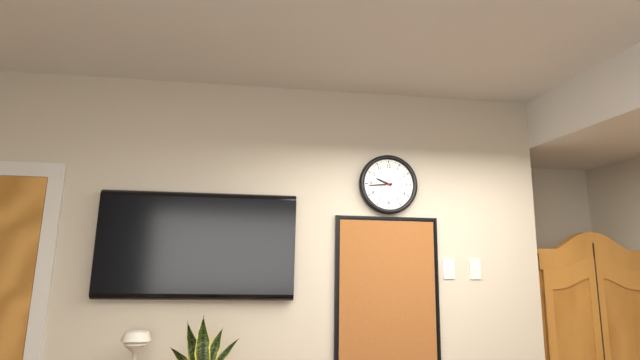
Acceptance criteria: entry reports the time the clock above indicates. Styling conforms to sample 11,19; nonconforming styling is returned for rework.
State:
9,44
